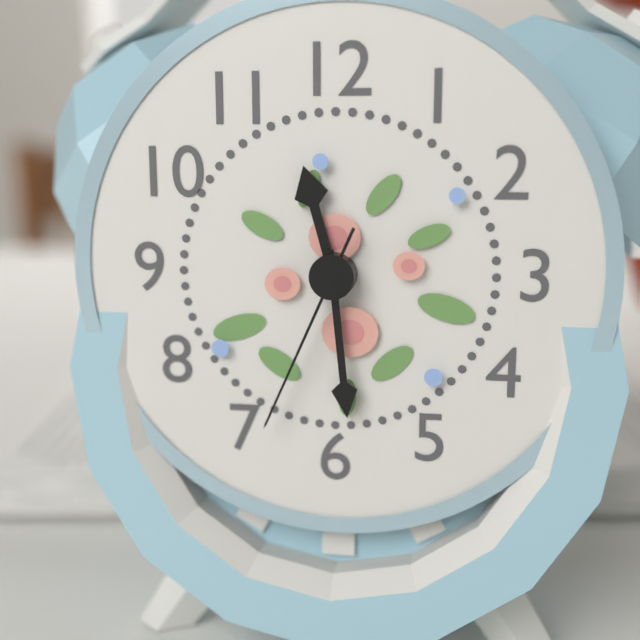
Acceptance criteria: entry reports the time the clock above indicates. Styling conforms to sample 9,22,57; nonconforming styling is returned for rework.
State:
11,29,34
